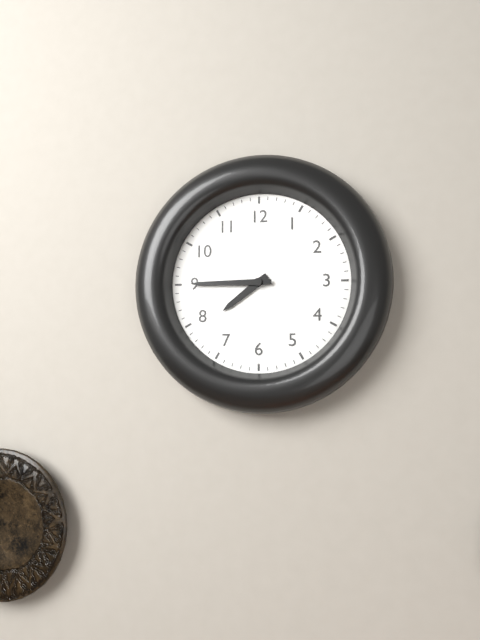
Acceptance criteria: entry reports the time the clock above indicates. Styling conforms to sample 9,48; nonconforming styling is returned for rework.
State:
7,45
